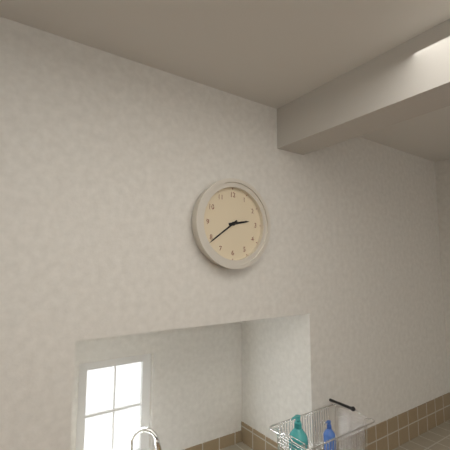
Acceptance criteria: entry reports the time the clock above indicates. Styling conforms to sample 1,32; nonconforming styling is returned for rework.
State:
2,39
